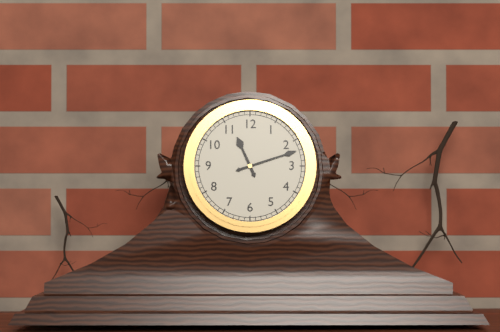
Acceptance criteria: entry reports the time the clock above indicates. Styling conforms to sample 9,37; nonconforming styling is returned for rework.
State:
11,12
